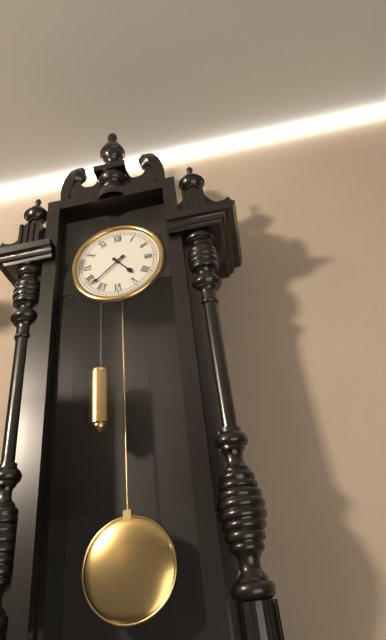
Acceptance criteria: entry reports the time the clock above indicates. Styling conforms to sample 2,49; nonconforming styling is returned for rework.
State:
4,38
